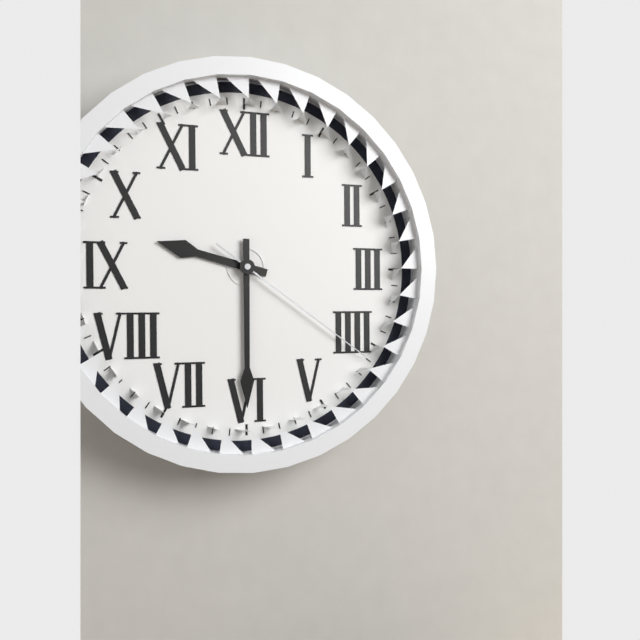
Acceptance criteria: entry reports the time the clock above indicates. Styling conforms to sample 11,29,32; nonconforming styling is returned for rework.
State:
9,30,21
